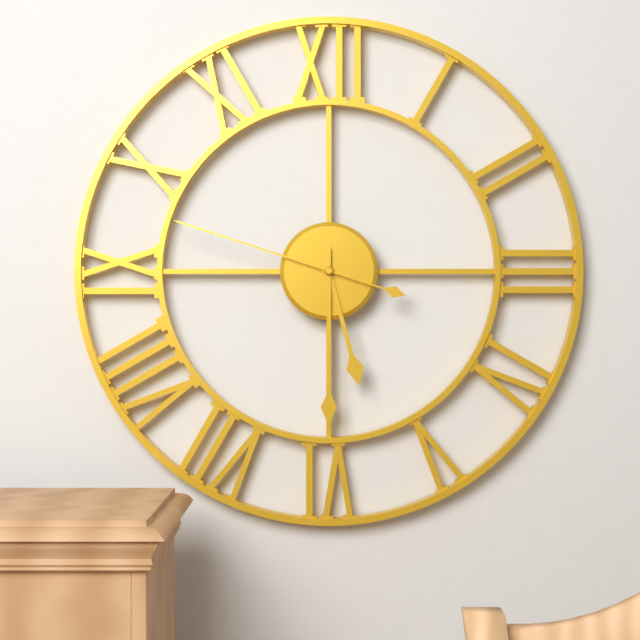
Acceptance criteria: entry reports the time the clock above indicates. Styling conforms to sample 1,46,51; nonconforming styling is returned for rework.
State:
5,30,48
